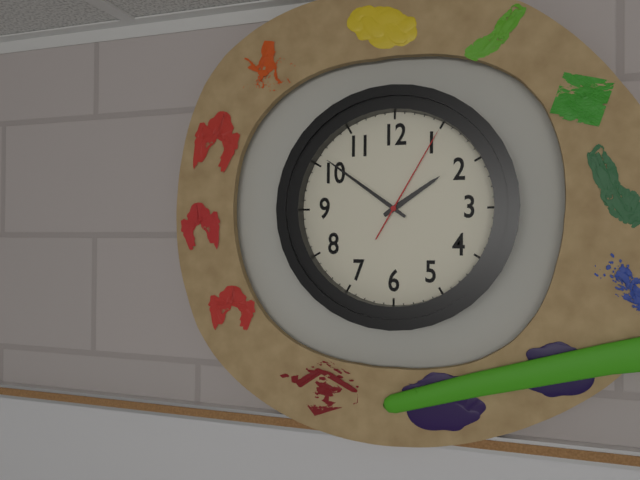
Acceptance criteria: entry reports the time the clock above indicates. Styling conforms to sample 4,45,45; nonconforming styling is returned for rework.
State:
1,51,05
